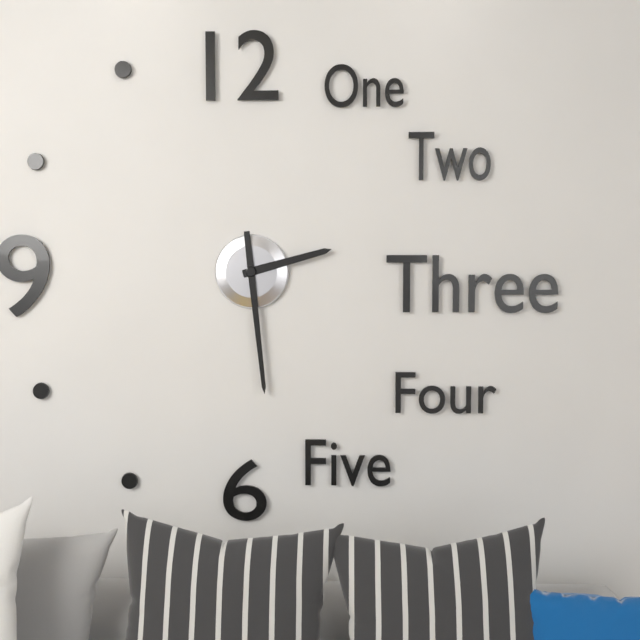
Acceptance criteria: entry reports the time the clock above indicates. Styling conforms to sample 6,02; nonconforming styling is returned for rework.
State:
2,29
